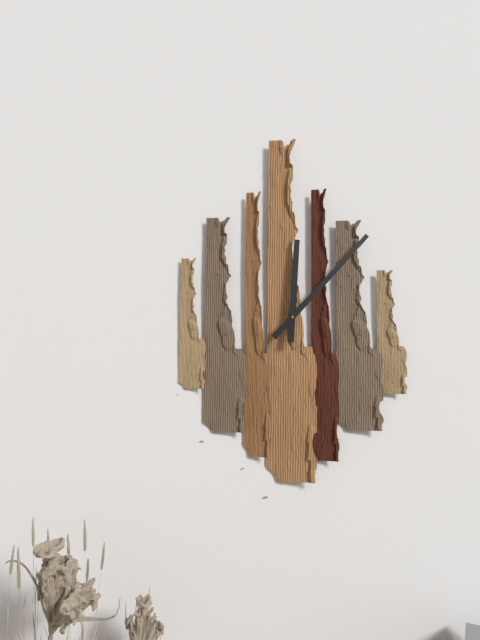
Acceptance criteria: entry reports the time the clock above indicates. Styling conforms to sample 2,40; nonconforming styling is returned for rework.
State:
12,07
